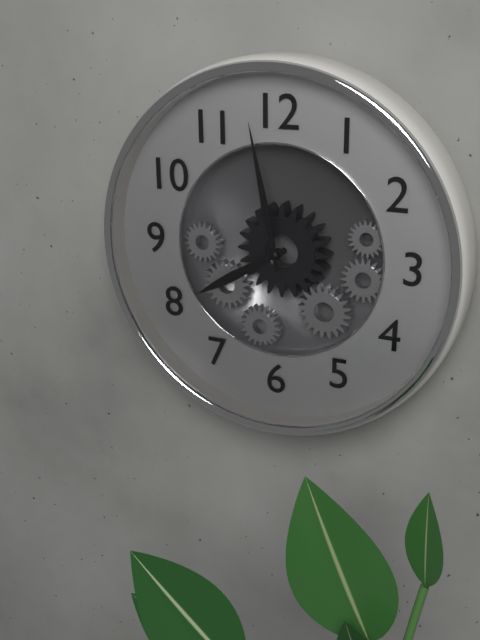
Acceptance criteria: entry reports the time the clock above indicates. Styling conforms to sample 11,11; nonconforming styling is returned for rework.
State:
7,58
